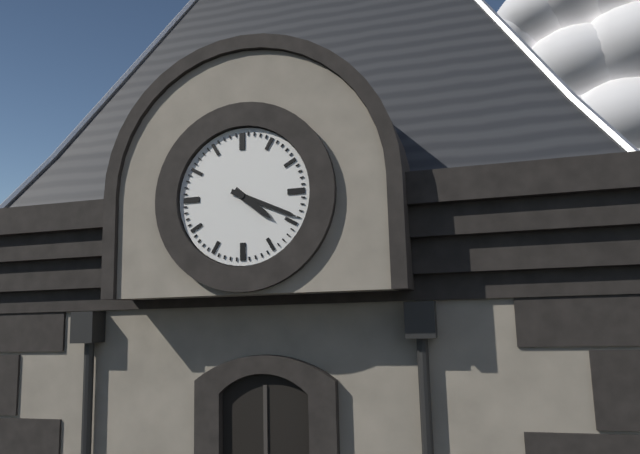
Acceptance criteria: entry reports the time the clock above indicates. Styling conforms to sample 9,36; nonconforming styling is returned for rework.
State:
4,19
